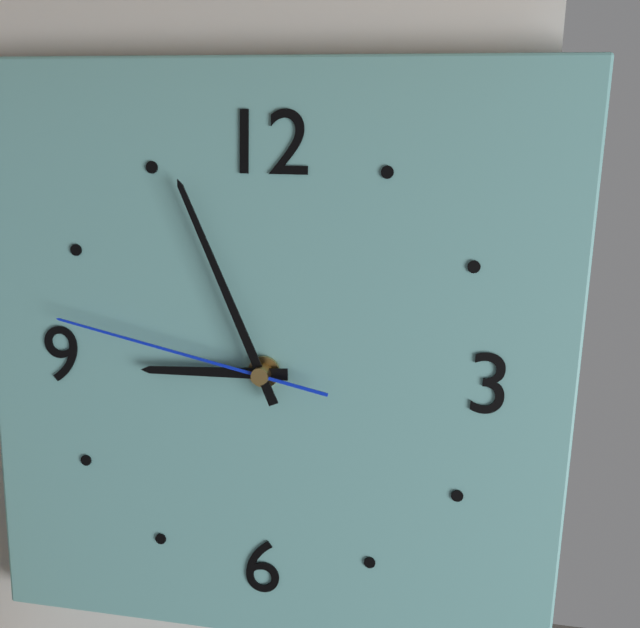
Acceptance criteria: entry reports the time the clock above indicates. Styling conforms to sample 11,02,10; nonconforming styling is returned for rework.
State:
8,56,47
